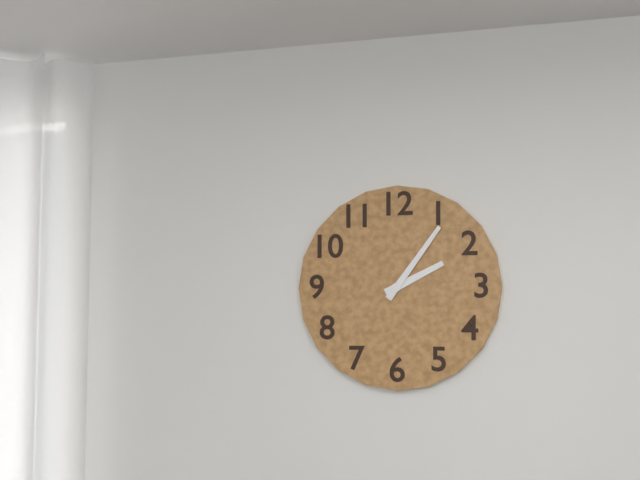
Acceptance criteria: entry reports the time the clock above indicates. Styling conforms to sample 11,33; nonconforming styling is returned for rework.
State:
2,06
